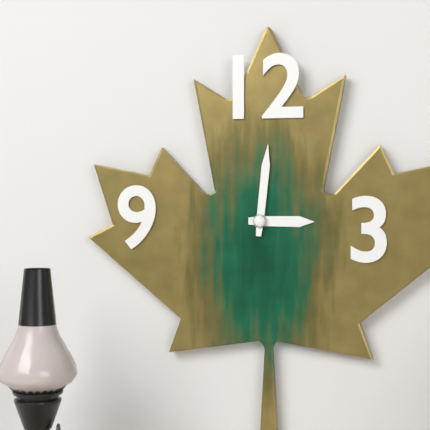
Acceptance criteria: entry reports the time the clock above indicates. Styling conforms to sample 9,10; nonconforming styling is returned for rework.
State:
3,01
